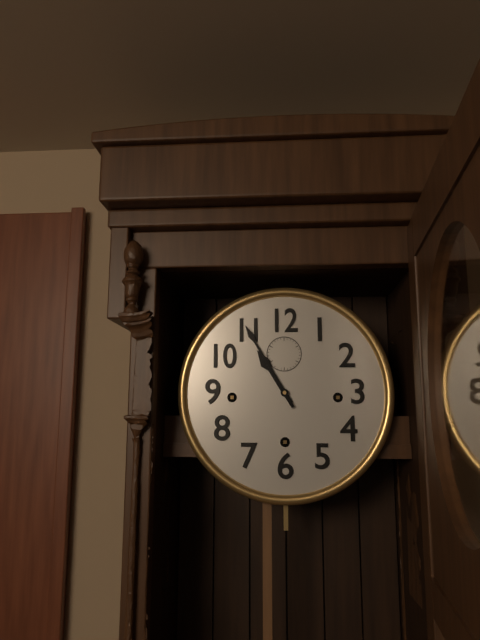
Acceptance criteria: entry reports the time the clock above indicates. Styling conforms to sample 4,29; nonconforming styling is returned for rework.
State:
10,55
